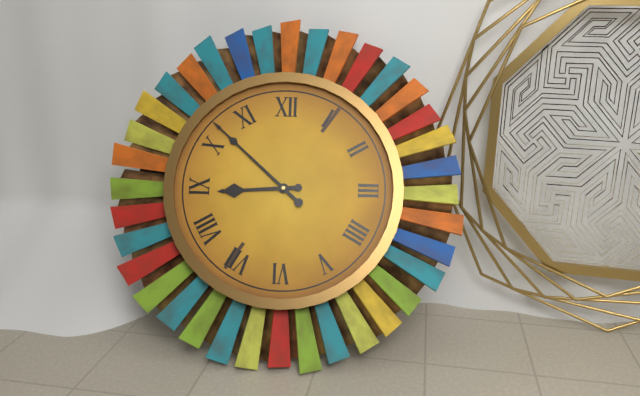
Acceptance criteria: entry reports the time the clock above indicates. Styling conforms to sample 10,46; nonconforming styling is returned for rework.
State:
8,52
